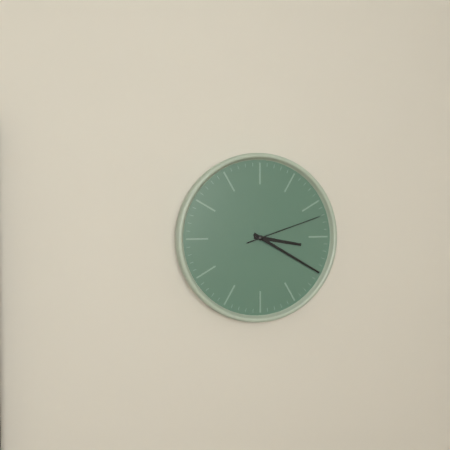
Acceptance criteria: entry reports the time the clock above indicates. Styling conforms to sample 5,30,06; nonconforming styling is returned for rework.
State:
3,20,12
